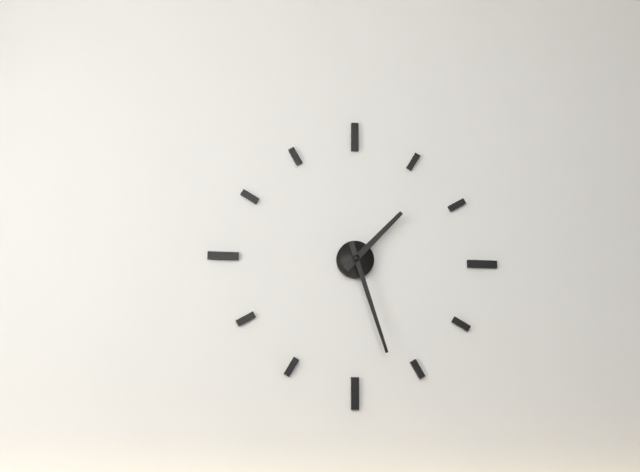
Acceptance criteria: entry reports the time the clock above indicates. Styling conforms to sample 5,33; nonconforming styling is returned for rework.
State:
1,27
